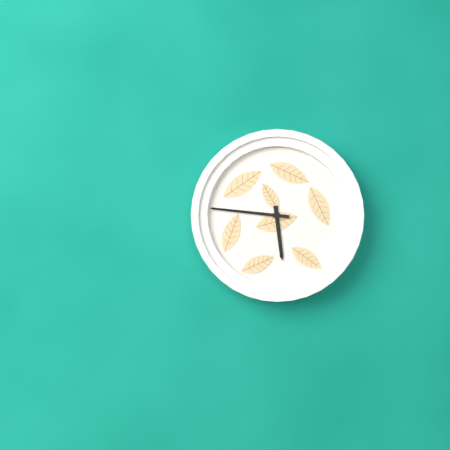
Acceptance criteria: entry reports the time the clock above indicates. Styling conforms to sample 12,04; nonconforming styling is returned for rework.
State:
5,46
